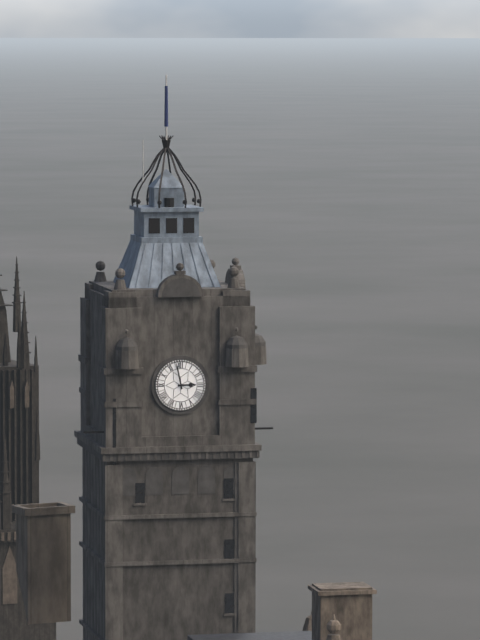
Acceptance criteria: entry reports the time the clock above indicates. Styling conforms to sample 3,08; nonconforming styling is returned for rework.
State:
2,58
